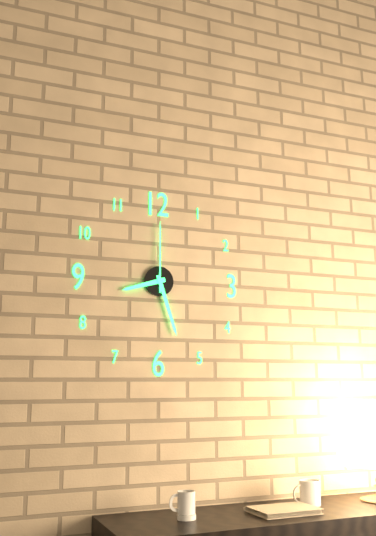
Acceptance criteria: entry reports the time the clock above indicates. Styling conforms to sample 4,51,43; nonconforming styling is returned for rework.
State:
8,27,00
